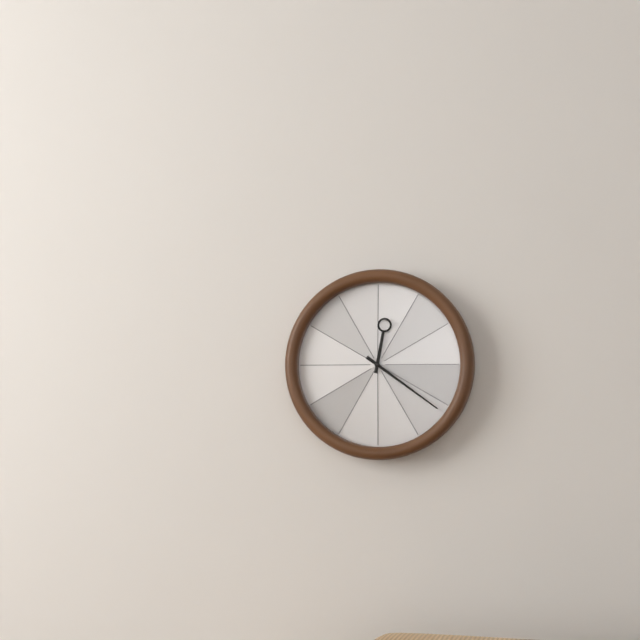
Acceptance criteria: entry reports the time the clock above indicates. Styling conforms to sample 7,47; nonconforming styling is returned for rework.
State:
12,21
